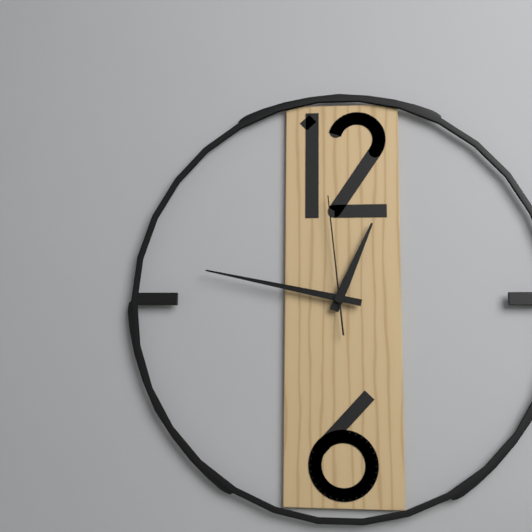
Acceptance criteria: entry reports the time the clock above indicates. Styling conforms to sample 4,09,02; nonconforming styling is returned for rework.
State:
12,47,59
